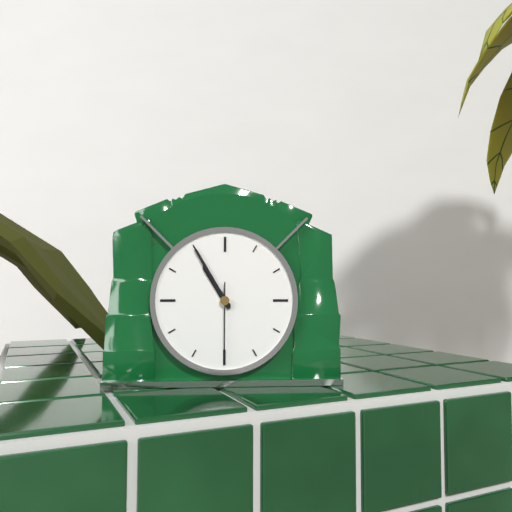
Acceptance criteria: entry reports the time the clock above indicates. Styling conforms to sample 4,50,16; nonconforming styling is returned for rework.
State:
10,55,30
